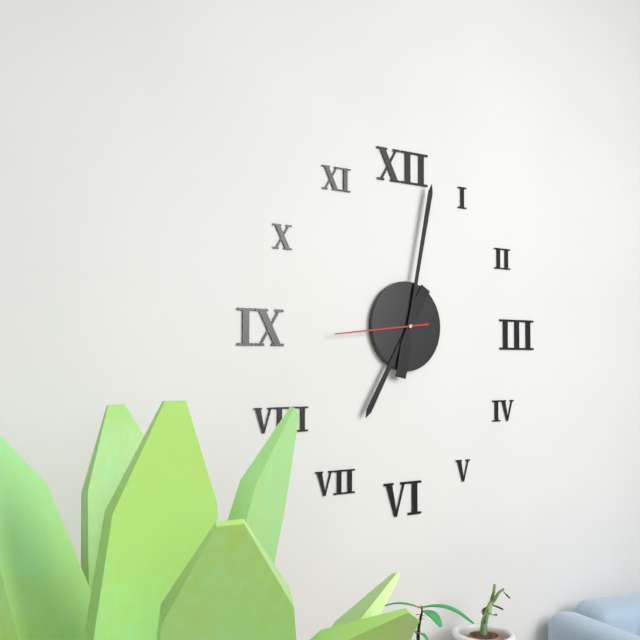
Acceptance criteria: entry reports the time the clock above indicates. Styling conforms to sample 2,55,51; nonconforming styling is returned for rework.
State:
7,02,44
